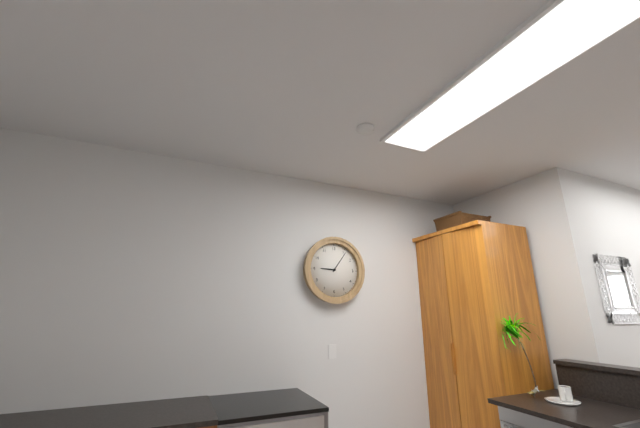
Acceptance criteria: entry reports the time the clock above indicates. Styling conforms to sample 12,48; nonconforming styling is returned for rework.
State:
9,06
